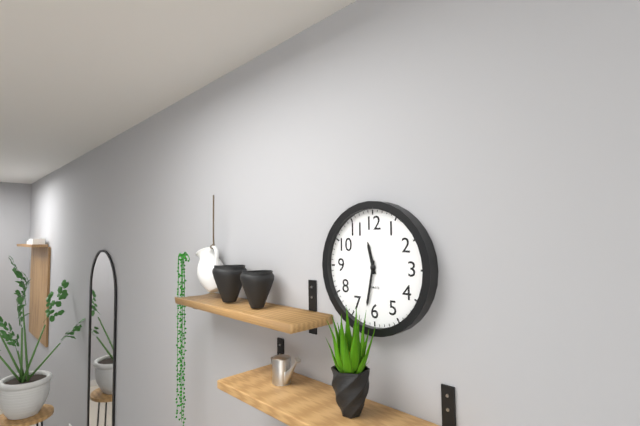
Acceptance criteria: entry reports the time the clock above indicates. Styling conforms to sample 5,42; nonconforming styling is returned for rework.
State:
11,32
